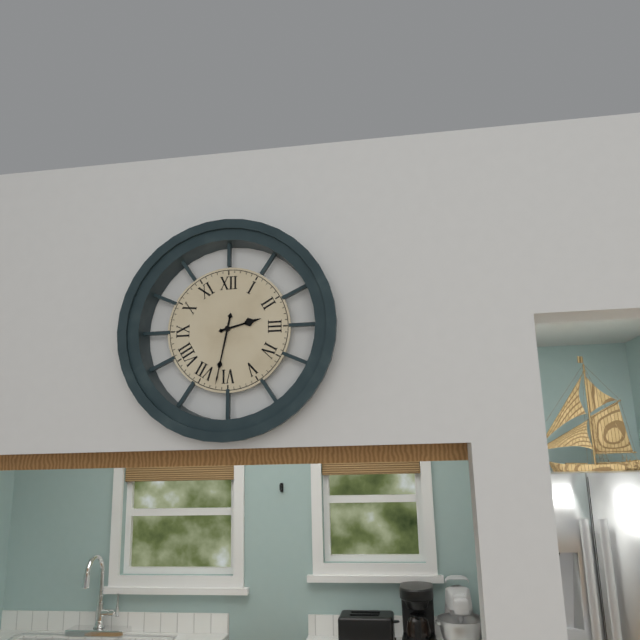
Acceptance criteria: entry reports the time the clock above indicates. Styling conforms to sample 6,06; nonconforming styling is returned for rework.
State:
2,32
